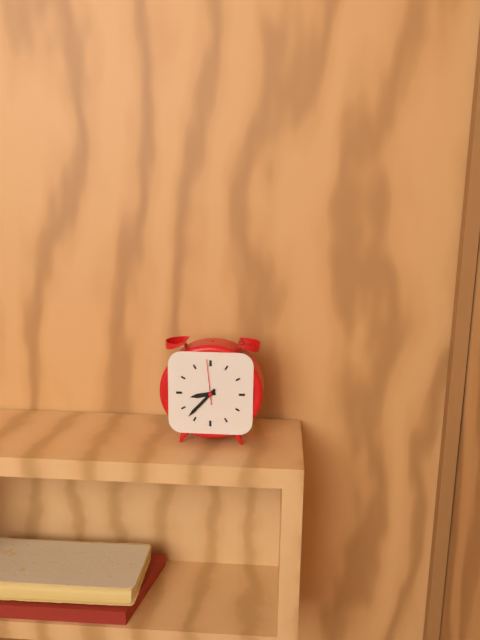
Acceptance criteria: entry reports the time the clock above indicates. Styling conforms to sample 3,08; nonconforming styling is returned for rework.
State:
8,37
